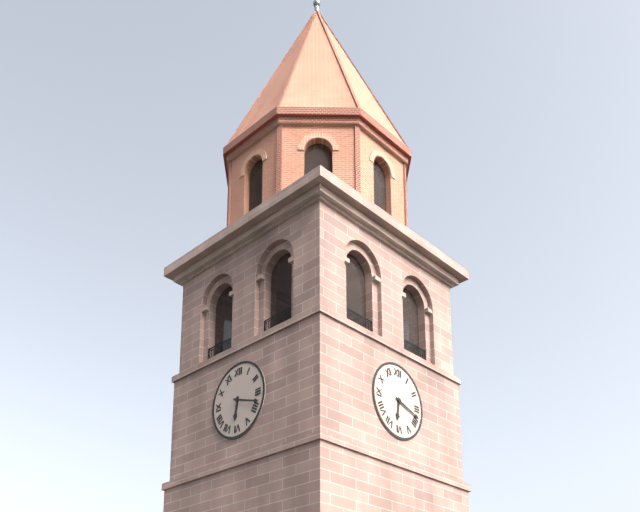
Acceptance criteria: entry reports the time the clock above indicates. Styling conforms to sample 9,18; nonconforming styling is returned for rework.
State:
6,18
